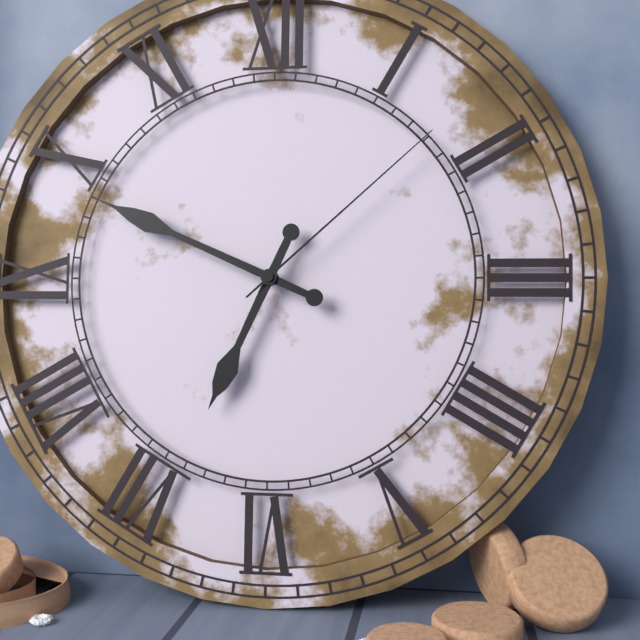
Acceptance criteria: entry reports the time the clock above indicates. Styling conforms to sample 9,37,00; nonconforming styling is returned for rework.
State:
6,49,08
